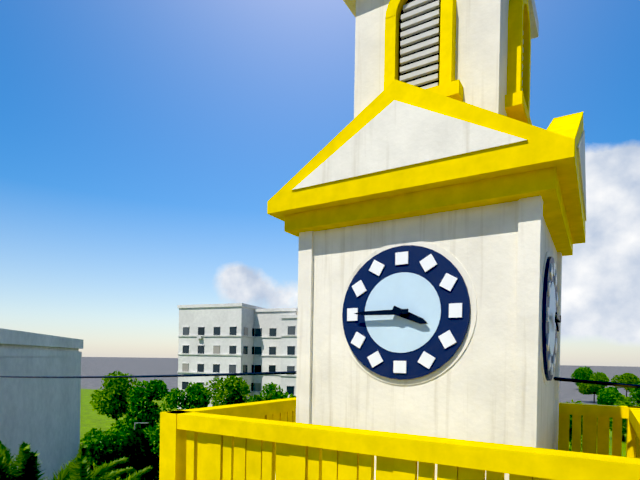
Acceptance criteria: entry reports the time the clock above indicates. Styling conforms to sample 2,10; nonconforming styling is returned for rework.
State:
3,45
